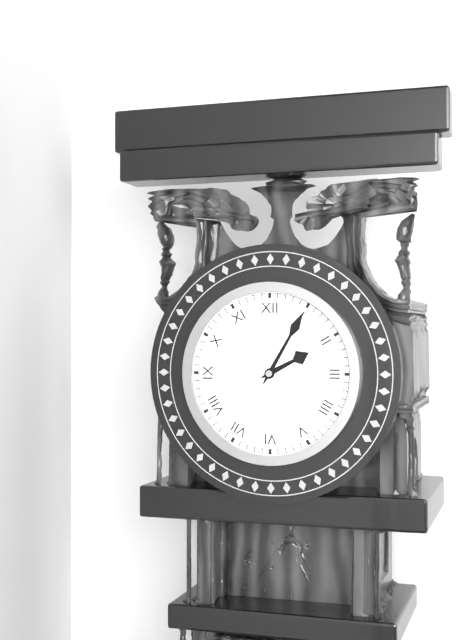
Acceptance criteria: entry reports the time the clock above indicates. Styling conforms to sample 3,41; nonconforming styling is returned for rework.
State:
2,05
